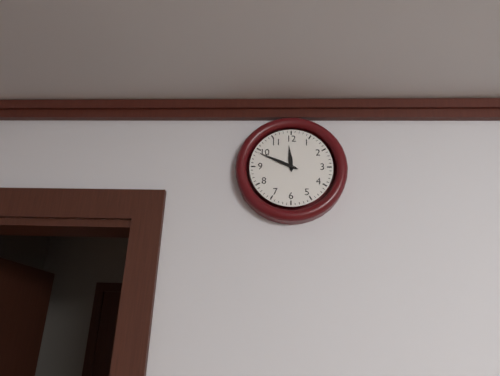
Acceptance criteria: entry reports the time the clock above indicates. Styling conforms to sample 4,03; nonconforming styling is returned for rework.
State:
11,49
